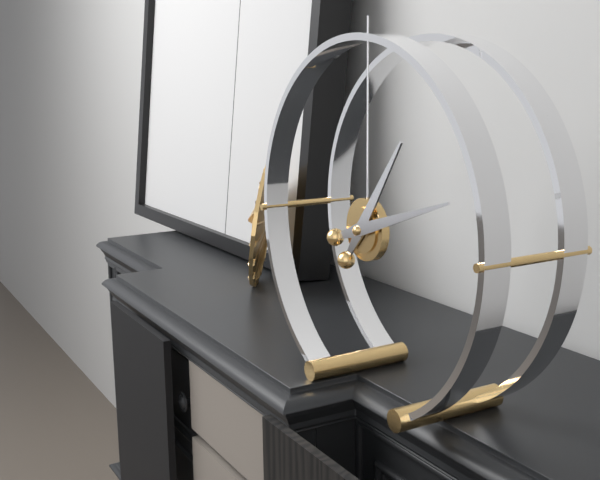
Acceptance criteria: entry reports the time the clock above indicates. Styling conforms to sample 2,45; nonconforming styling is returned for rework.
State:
1,12
